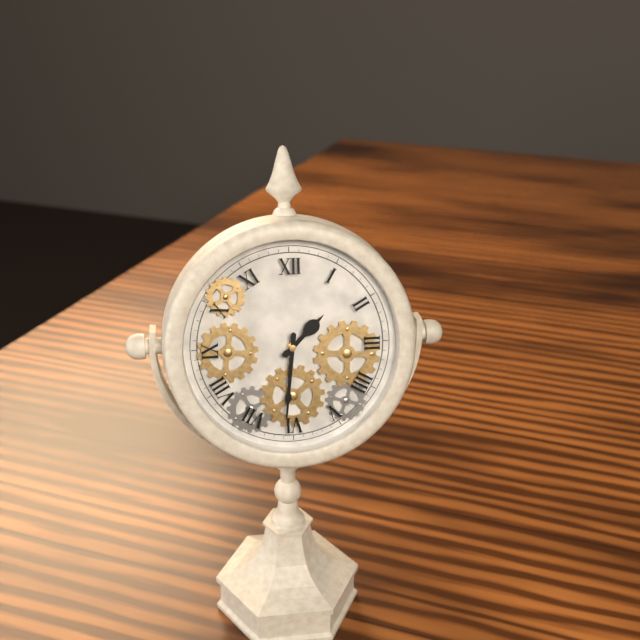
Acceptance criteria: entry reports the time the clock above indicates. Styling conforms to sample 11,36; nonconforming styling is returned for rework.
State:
1,31
